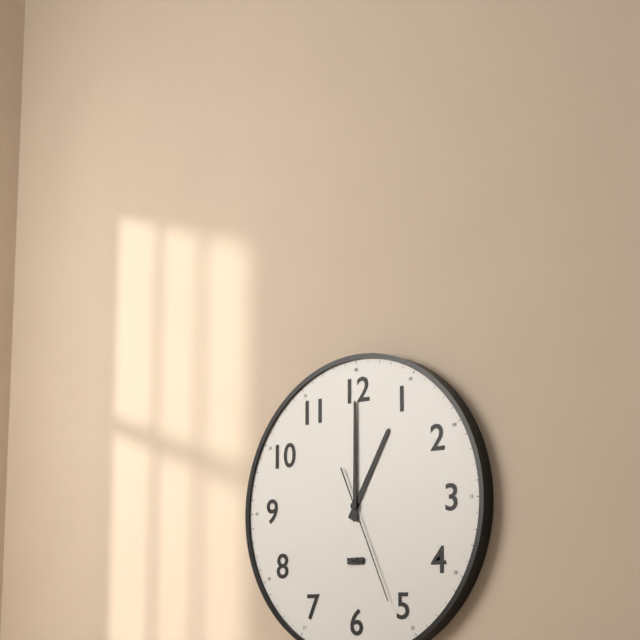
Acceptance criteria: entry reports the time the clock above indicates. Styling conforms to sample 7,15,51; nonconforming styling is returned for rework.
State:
1,00,26
